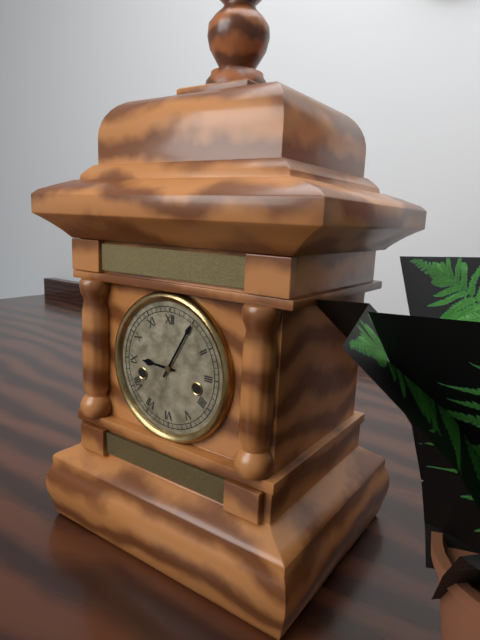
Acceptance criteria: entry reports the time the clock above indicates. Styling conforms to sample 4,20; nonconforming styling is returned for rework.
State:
9,05
